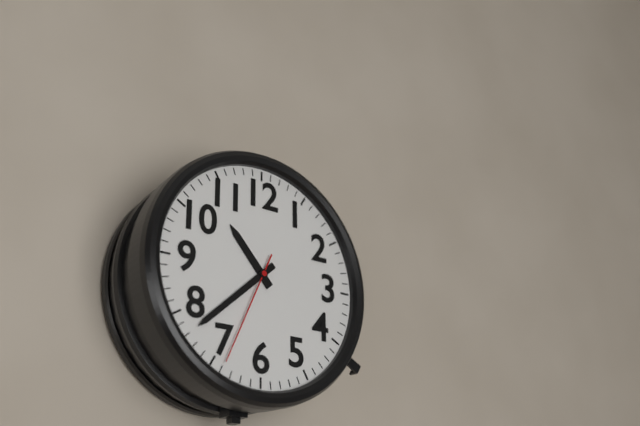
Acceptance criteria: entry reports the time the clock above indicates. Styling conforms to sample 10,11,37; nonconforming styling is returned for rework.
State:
10,38,34
